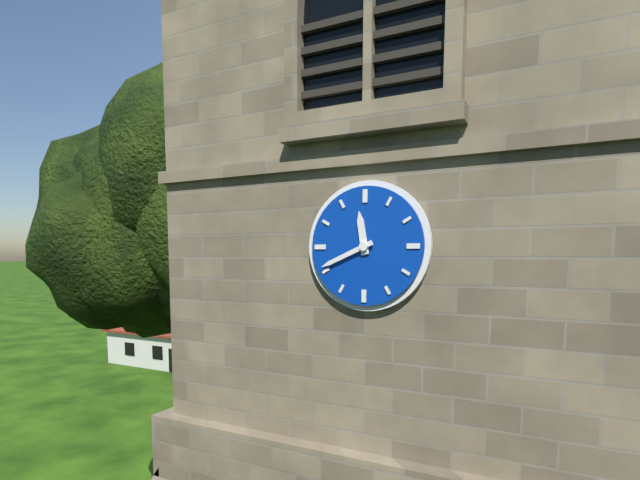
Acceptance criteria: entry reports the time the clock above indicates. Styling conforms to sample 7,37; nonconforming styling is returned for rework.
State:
11,41
